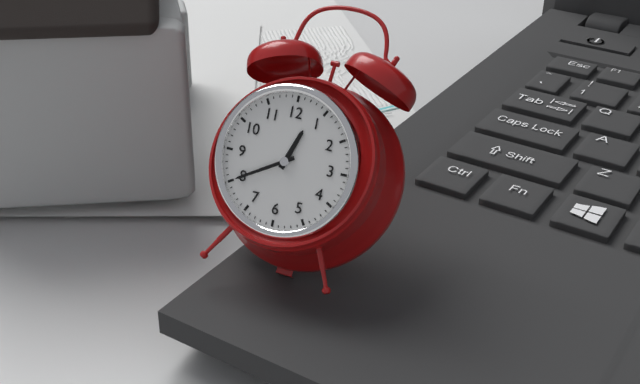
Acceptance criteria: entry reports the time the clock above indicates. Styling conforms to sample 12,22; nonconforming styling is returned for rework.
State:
12,40
